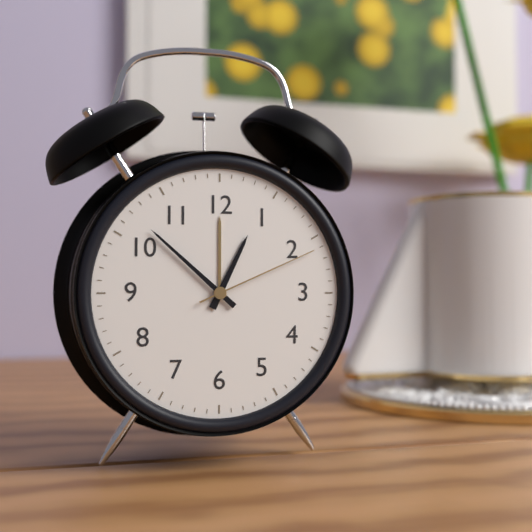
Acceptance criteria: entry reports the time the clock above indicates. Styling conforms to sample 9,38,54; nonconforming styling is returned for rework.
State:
12,52,11
